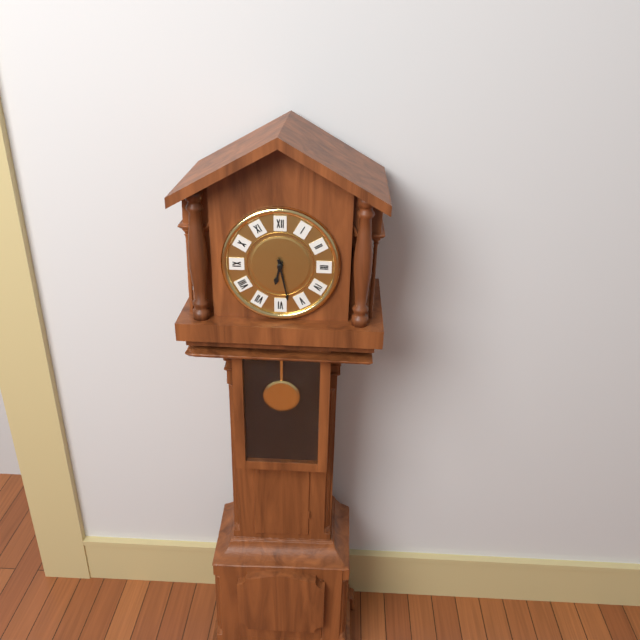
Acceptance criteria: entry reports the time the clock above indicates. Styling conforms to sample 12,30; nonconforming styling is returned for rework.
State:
6,28
